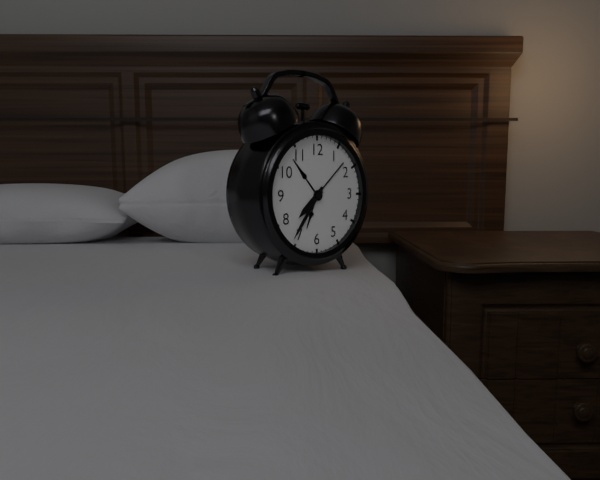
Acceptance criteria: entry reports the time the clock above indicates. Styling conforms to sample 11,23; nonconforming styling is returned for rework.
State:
7,36
